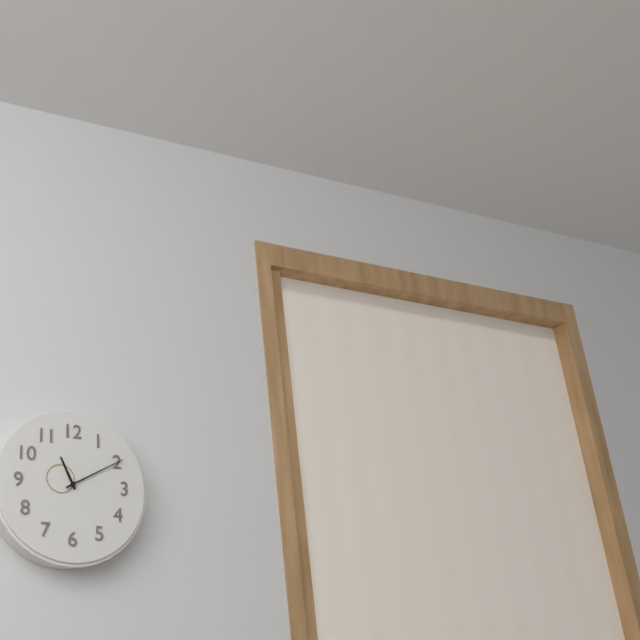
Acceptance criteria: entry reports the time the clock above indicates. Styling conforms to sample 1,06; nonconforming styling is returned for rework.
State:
11,10
